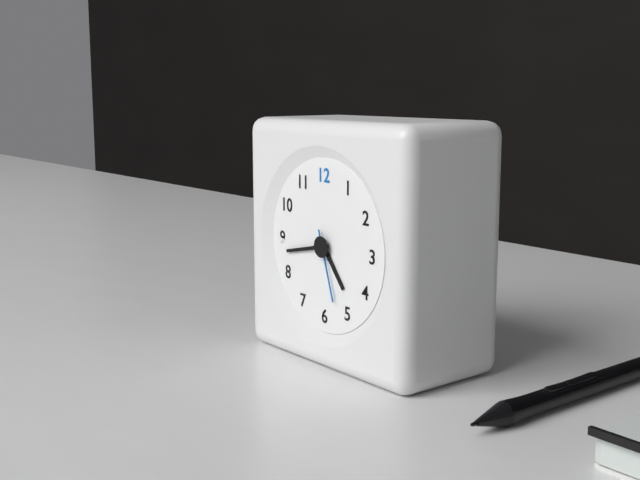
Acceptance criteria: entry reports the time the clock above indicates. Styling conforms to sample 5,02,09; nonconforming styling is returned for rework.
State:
4,43,27
